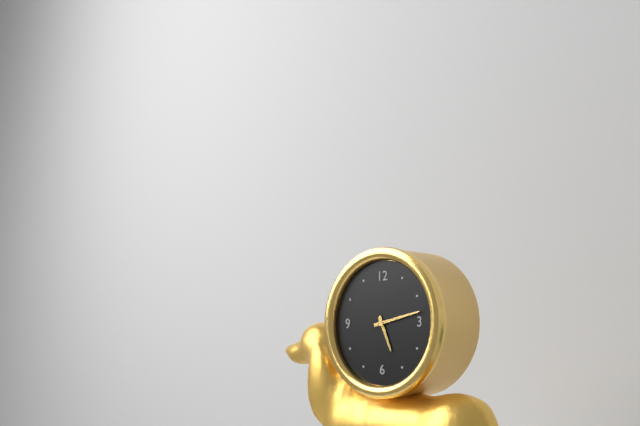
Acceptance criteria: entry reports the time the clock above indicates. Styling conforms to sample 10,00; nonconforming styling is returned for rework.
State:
5,13
